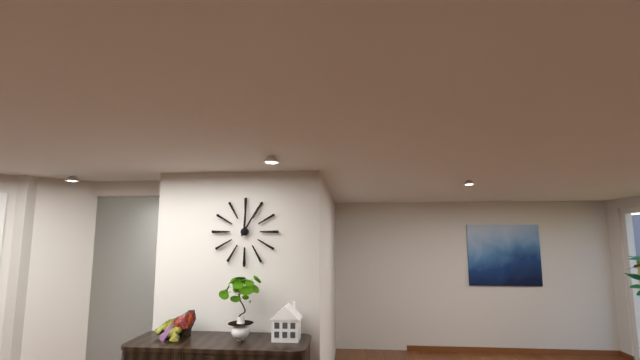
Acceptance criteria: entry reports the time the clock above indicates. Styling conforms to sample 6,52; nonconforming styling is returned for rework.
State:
12,05
